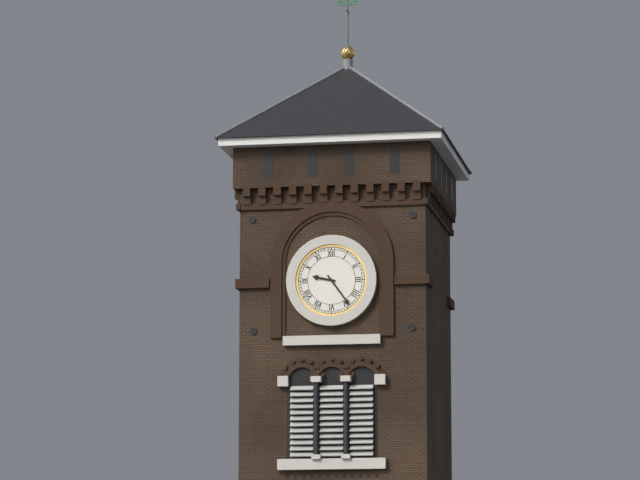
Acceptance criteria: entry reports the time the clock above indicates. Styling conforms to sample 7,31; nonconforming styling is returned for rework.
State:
9,24
